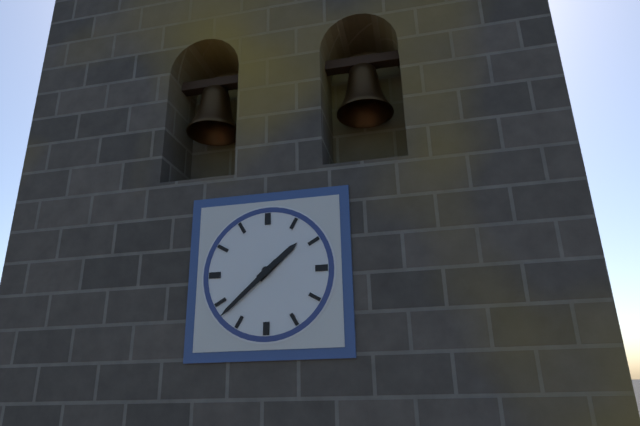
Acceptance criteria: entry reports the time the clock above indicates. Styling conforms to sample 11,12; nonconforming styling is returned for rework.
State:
1,38
